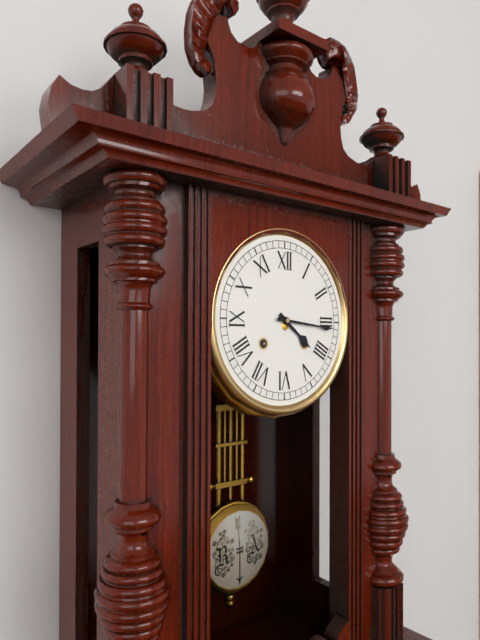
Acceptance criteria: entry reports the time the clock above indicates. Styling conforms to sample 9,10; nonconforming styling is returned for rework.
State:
4,16
